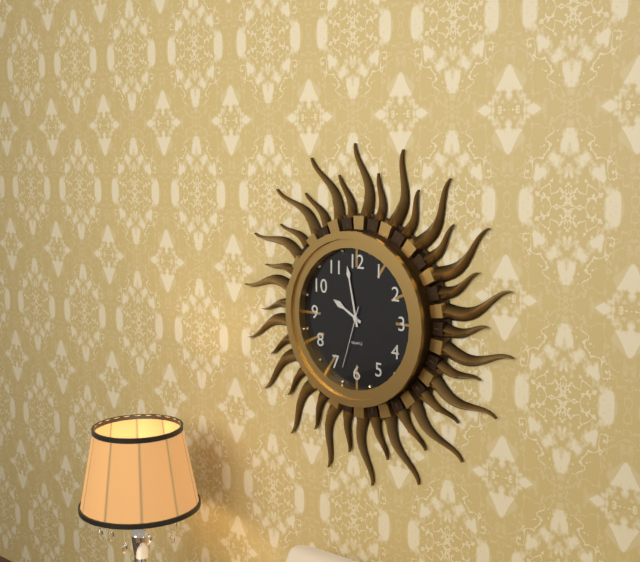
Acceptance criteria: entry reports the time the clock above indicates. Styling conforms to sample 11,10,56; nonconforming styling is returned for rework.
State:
9,58,33
